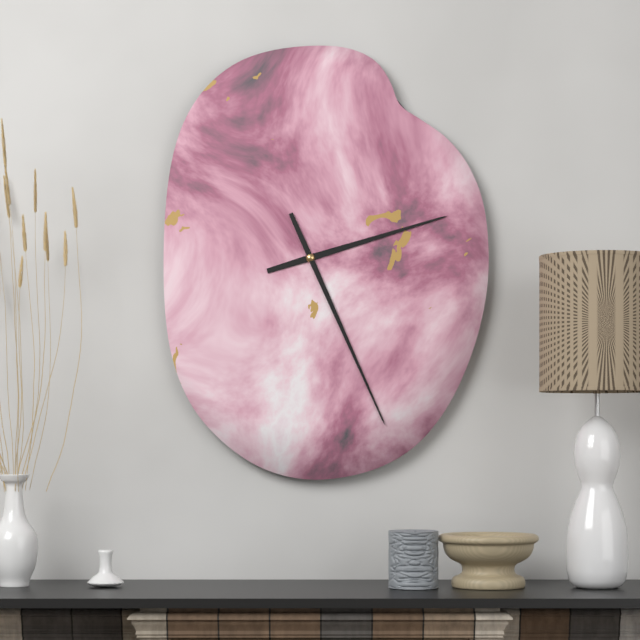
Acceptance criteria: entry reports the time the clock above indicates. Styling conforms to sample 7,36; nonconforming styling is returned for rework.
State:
2,26
